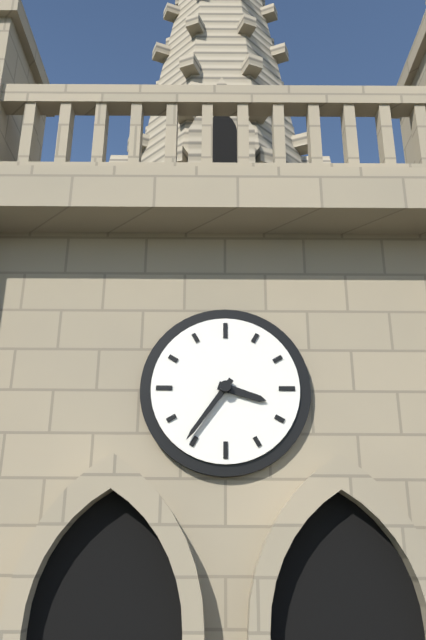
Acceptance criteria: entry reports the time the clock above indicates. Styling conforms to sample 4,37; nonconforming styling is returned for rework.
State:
3,36
